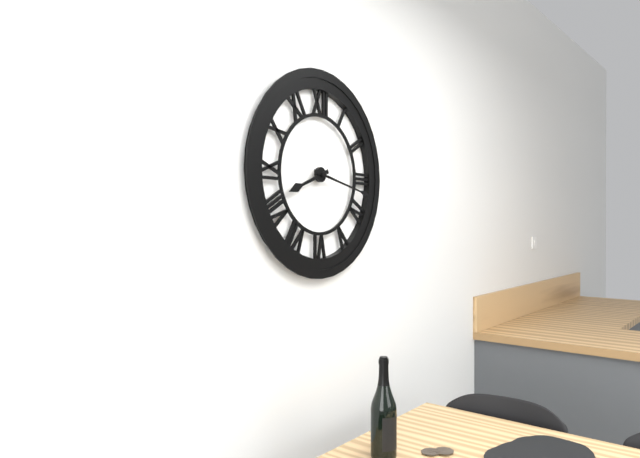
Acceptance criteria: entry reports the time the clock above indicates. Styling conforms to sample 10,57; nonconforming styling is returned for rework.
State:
8,17
